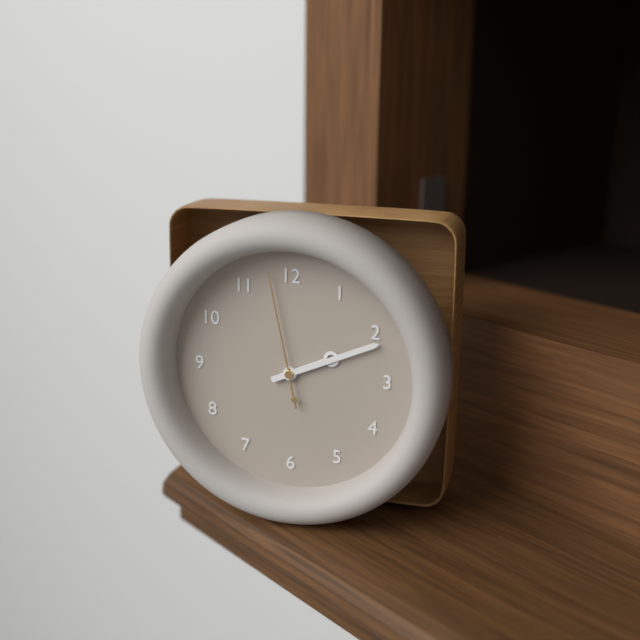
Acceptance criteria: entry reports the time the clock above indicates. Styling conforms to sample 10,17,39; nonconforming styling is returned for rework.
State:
2,11,58
